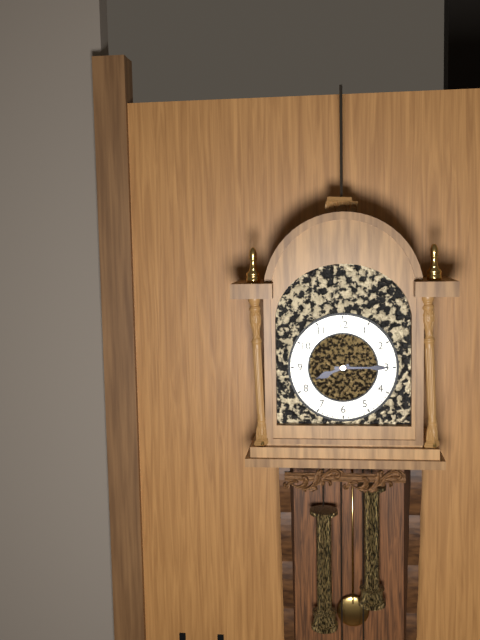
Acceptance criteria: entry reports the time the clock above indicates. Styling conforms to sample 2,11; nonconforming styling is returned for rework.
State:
8,15
